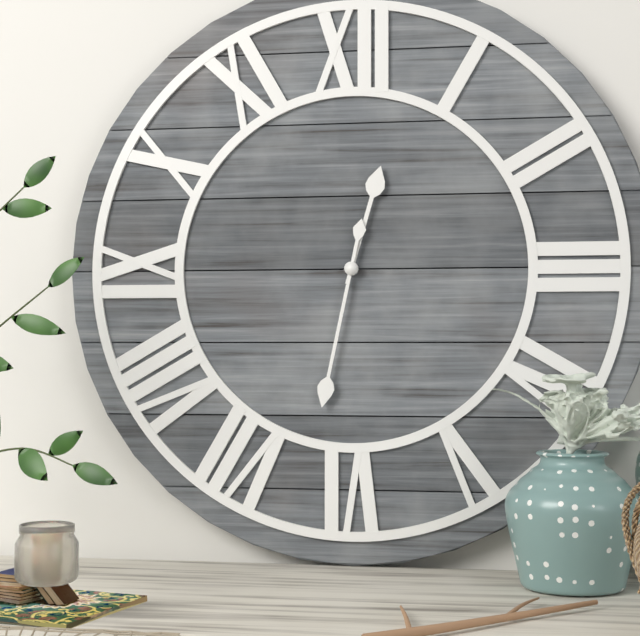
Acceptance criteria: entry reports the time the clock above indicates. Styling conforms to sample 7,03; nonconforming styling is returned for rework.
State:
12,32
